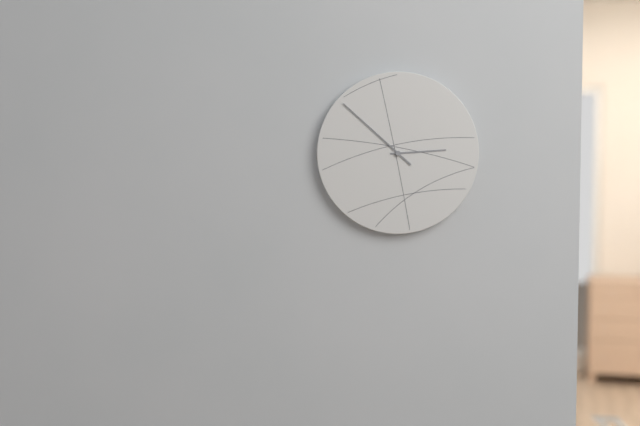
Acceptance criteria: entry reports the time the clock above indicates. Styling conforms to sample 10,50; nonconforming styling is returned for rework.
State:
2,52
